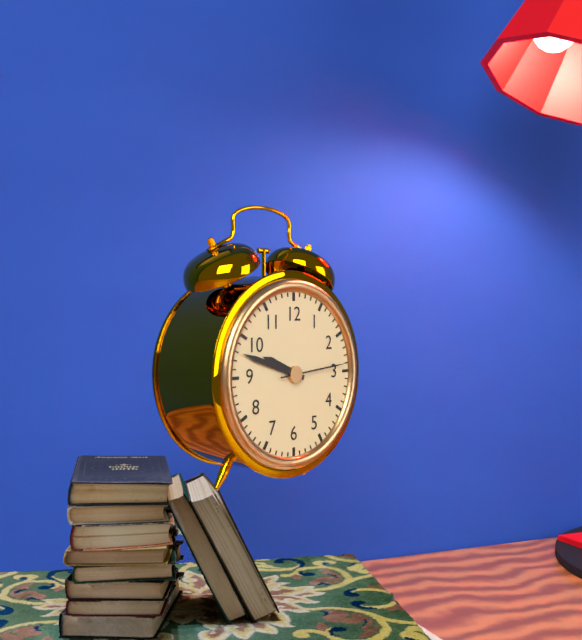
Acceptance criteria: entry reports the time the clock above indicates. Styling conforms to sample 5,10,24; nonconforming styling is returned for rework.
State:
9,48,14
